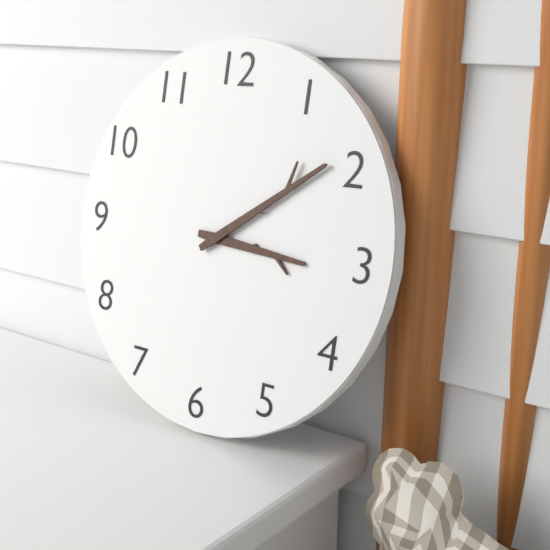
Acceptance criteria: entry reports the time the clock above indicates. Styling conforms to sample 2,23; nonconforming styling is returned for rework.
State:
3,09
